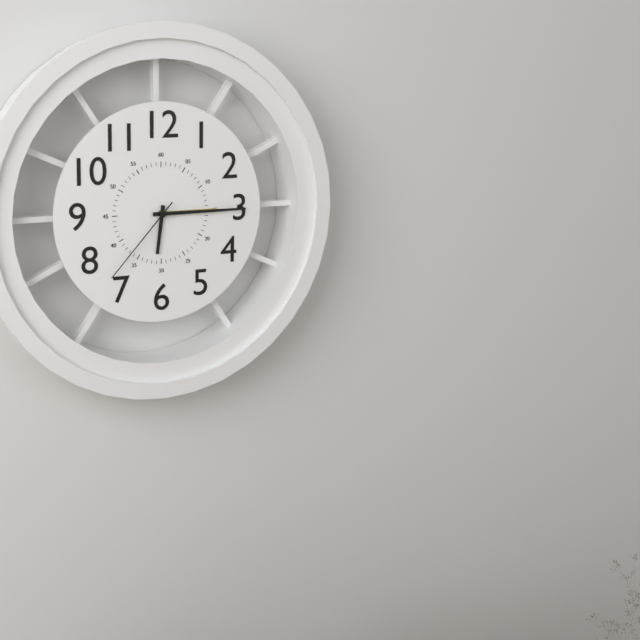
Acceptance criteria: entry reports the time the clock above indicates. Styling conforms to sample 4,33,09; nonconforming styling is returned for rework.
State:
6,15,37
